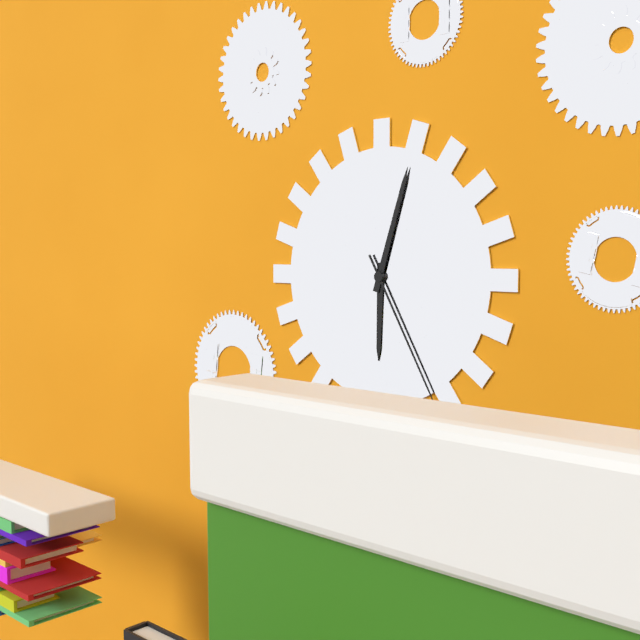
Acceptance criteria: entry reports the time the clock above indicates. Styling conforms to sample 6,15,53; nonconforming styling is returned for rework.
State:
6,03,25
